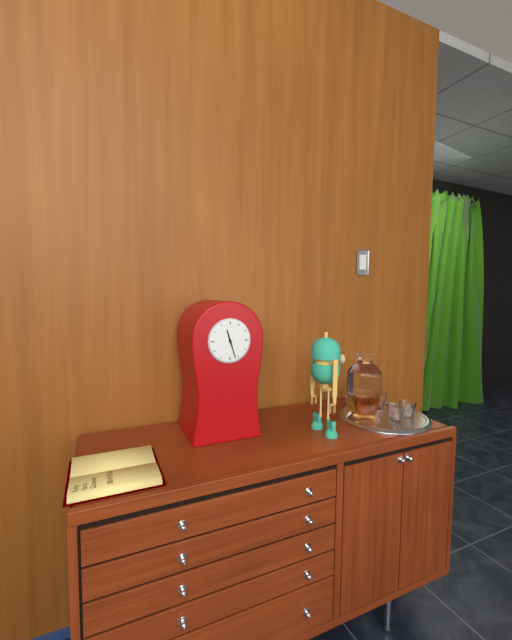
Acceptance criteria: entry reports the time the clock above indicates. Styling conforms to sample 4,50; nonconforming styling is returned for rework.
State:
11,27
